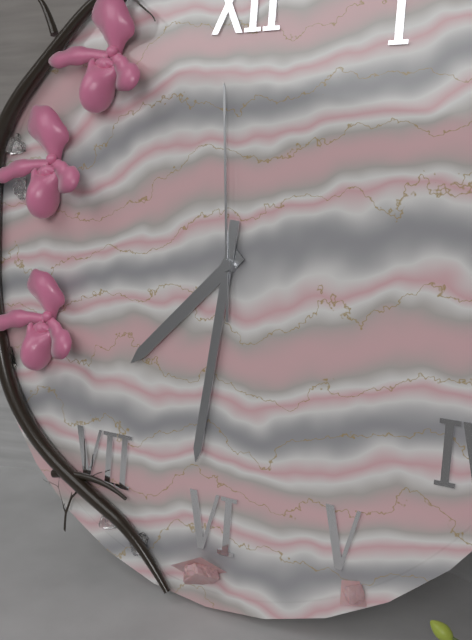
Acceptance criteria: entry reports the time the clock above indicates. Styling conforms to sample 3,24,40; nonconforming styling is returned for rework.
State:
7,31,59
